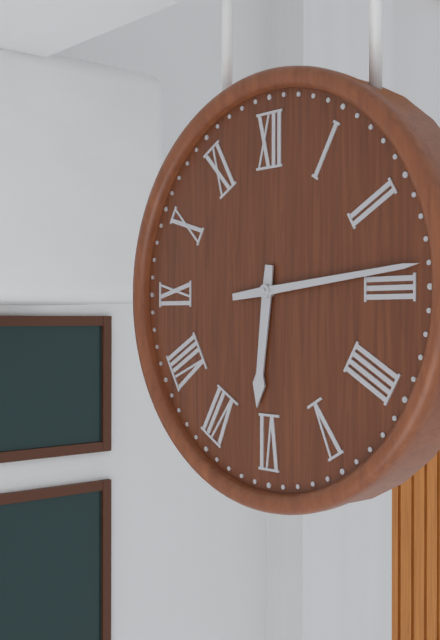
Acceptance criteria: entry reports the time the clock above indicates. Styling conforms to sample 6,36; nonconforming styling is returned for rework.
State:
6,14
